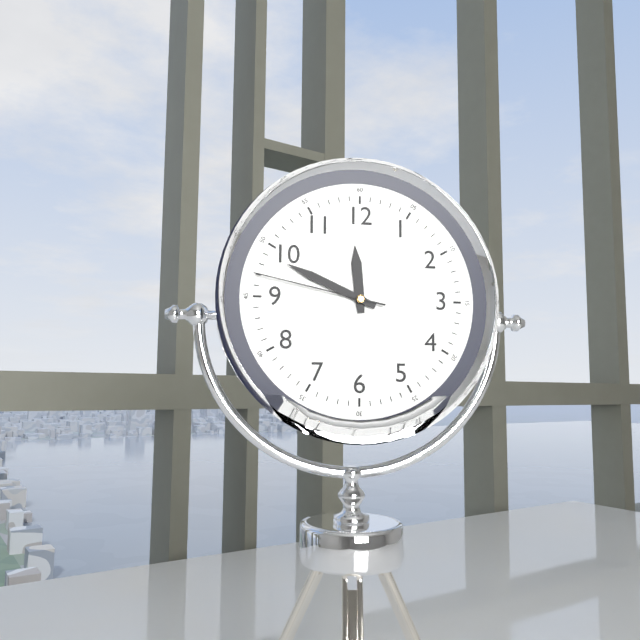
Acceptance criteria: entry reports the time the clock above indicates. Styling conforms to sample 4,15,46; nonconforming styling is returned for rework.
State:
11,49,47
